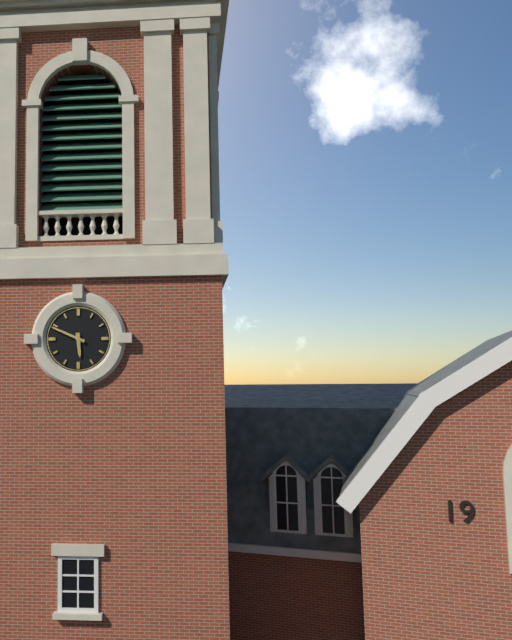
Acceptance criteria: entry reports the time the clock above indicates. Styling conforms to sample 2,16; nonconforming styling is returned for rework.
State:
5,49
